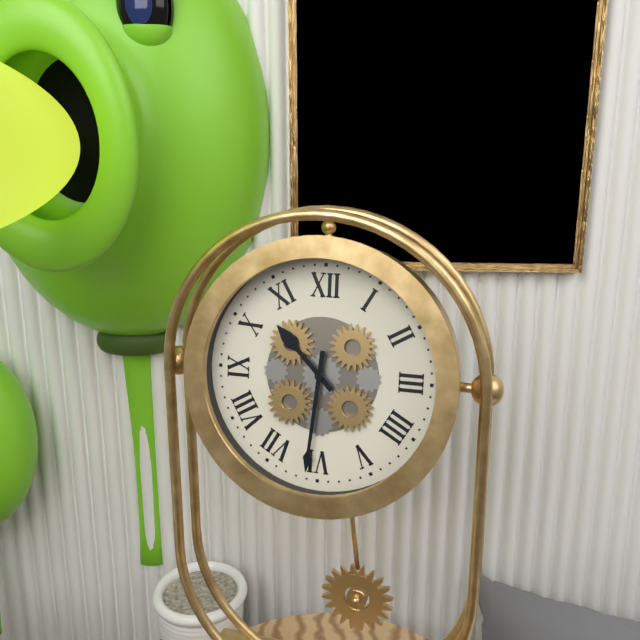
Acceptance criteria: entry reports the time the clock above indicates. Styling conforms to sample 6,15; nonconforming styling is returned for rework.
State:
10,31
